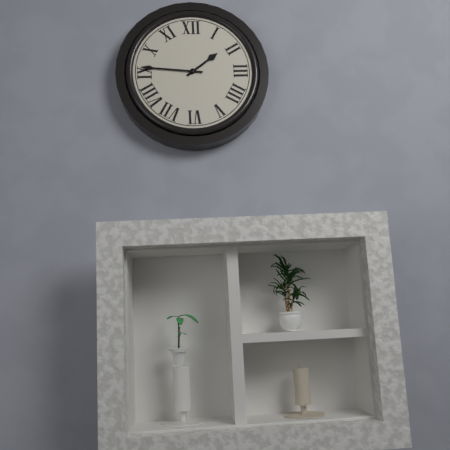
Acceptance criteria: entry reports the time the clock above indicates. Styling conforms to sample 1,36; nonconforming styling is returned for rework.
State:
1,46
